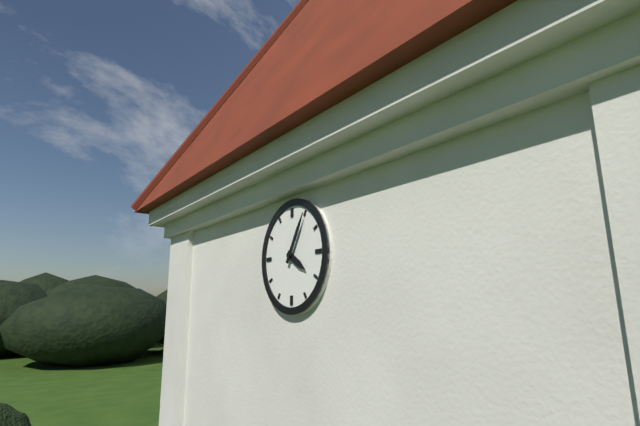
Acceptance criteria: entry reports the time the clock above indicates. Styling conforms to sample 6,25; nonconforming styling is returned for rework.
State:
4,05
